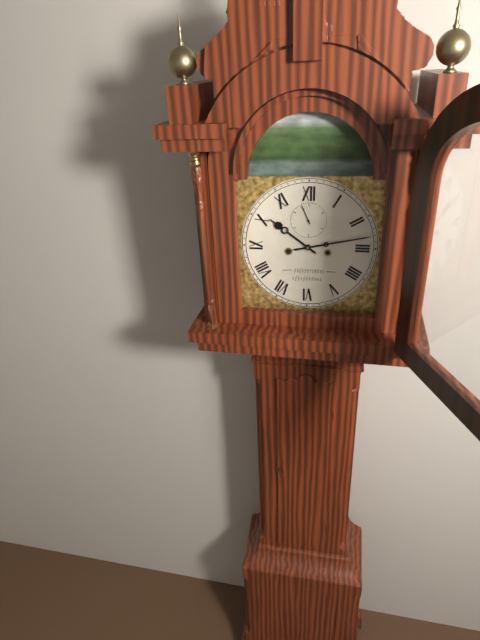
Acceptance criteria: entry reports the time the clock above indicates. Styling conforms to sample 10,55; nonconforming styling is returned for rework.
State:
10,13
